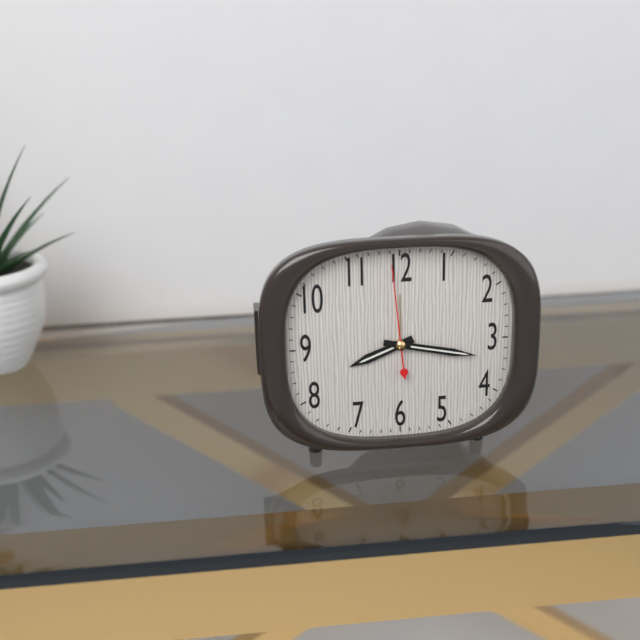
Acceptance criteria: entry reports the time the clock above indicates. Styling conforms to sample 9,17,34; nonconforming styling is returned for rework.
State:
8,17,59
